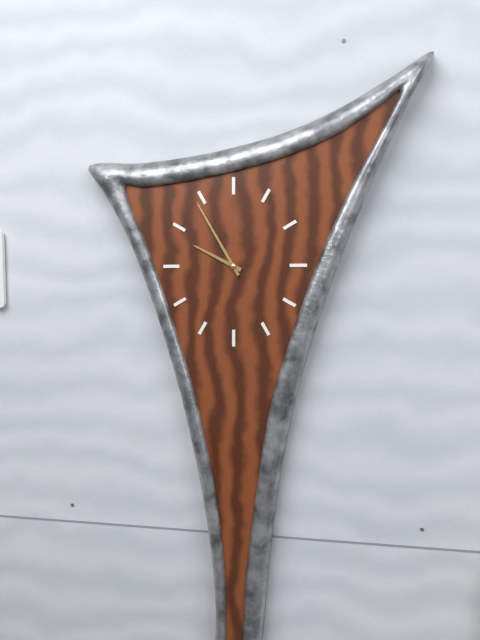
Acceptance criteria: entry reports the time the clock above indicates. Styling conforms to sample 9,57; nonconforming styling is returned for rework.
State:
9,55
